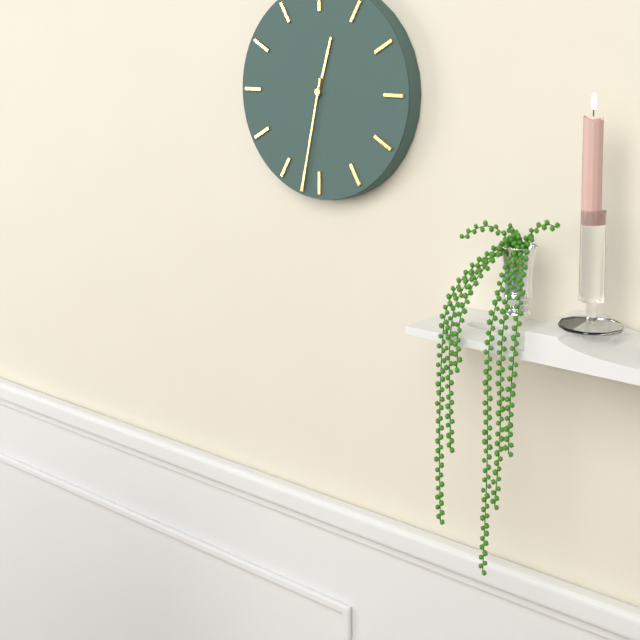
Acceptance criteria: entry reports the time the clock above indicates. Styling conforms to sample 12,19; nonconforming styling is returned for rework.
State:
12,32
